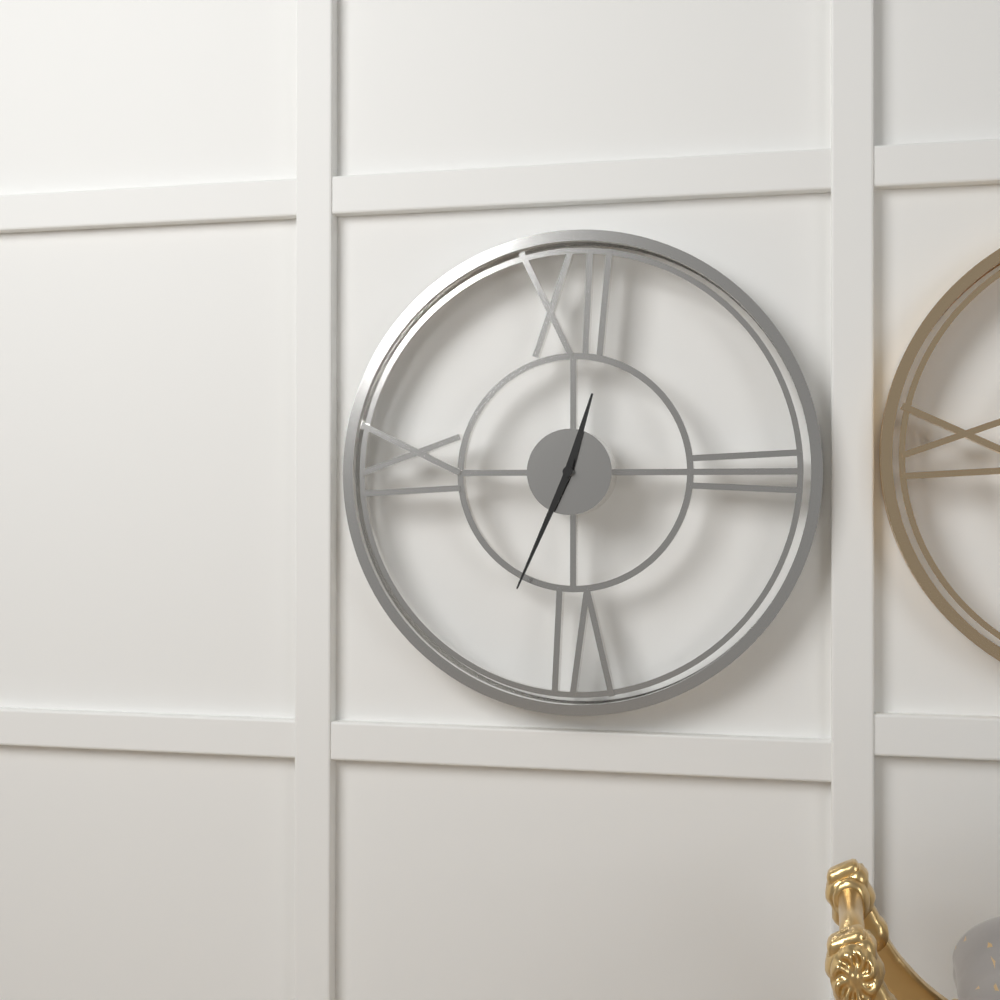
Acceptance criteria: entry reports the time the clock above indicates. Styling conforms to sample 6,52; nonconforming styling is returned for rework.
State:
12,34
